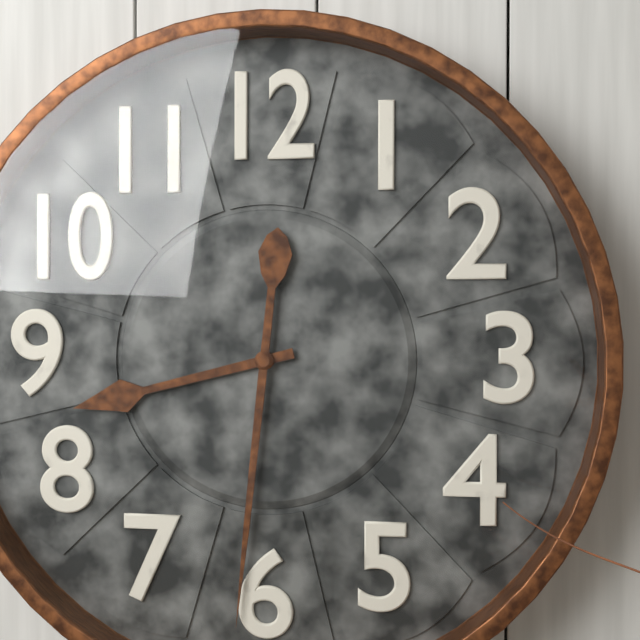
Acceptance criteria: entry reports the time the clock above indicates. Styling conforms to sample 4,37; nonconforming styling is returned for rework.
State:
8,31
